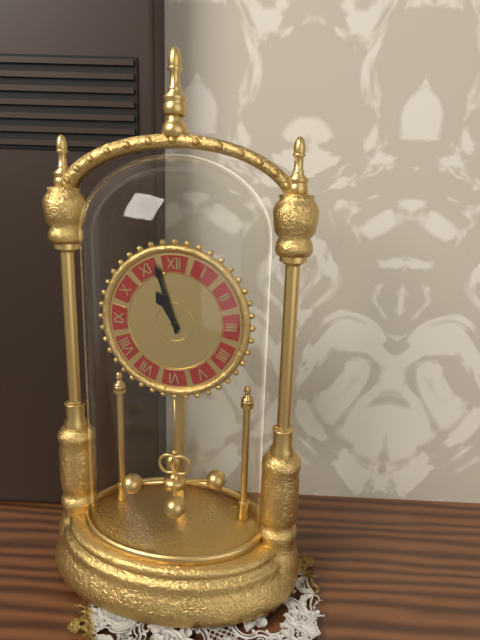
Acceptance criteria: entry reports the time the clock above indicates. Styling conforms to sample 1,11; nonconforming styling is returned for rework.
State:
10,57
